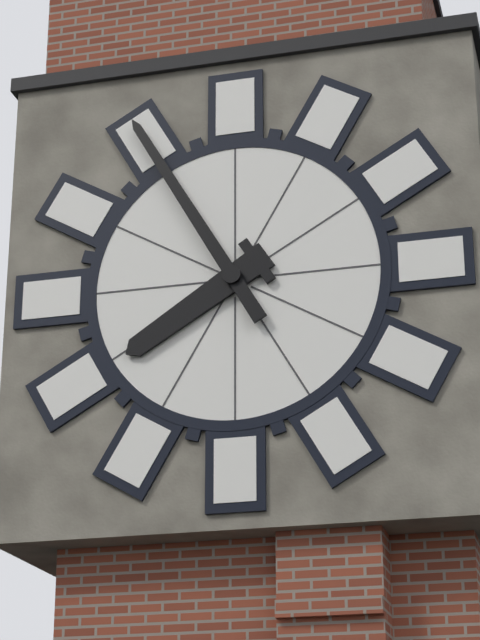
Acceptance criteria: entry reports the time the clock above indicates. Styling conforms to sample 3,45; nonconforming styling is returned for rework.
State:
7,55
